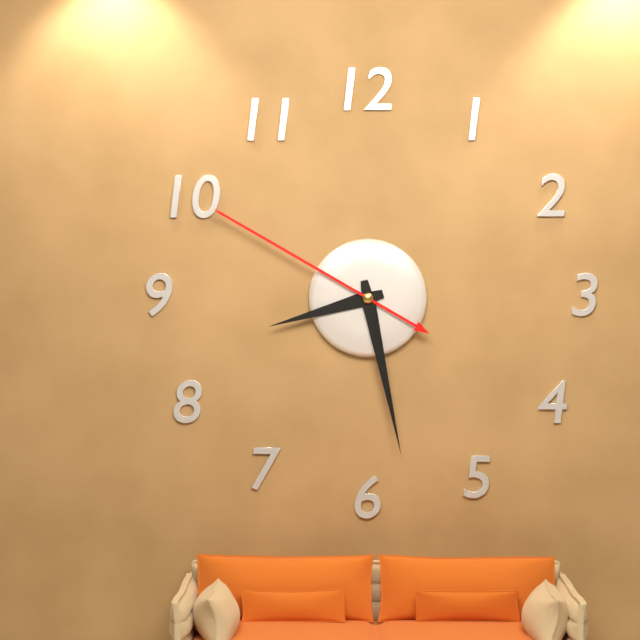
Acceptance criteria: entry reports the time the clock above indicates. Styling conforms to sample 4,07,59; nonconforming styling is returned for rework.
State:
8,28,50
